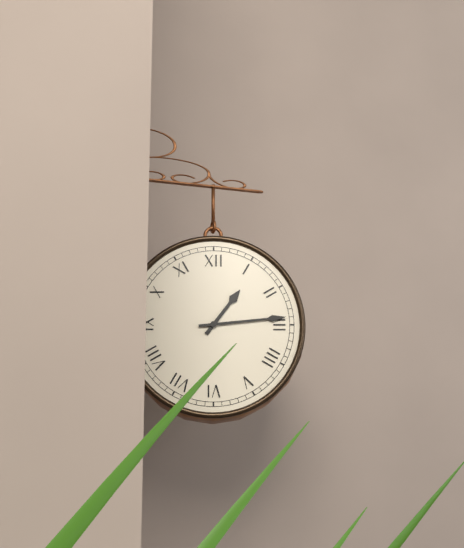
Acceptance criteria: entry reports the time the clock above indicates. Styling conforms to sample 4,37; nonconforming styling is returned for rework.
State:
1,14
